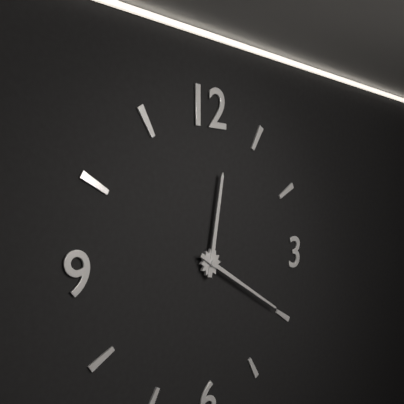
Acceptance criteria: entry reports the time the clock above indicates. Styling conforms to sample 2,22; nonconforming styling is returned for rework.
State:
12,20
